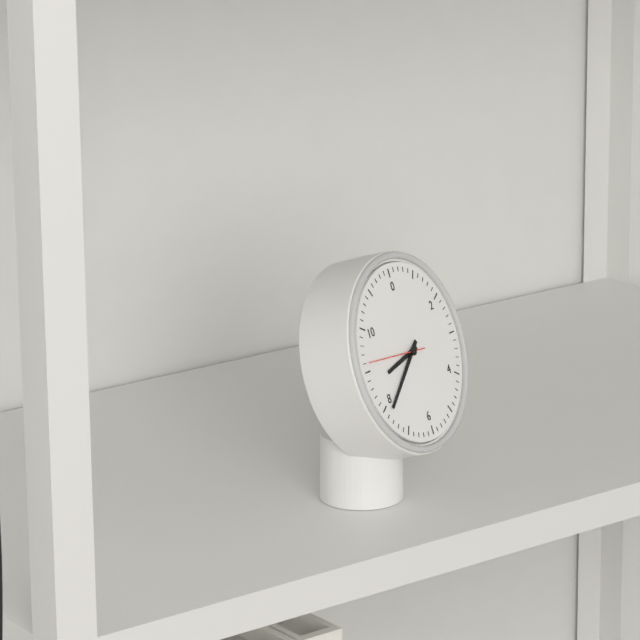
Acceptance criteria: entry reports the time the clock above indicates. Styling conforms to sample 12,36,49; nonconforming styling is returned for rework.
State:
8,39,46
